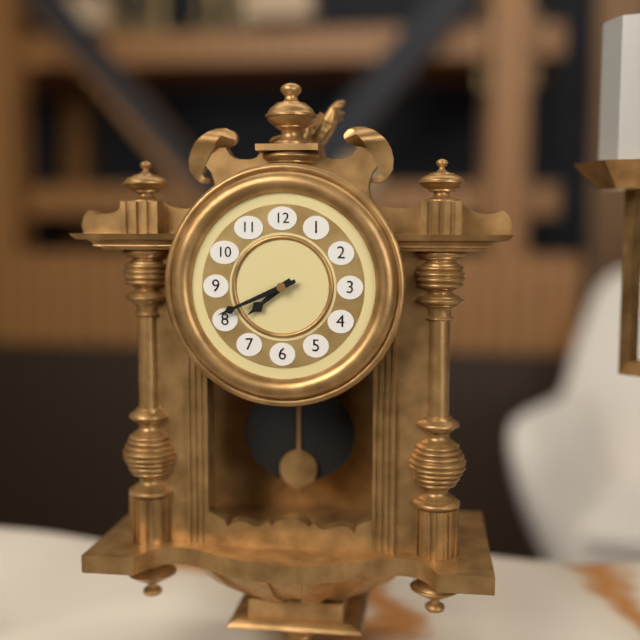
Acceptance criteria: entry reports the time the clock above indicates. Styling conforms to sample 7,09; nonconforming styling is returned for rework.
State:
7,41
